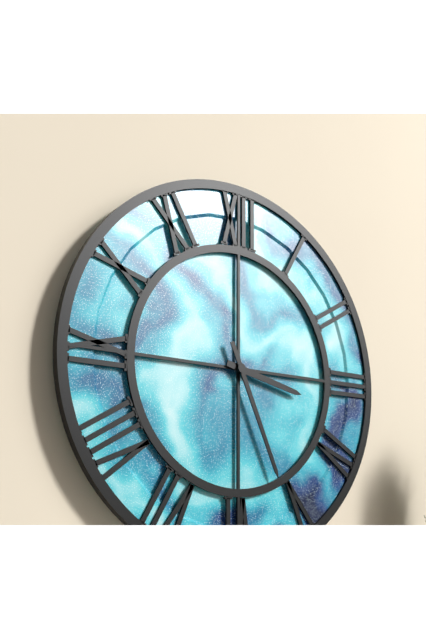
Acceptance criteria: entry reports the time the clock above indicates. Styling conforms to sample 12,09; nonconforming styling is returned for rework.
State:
3,26
